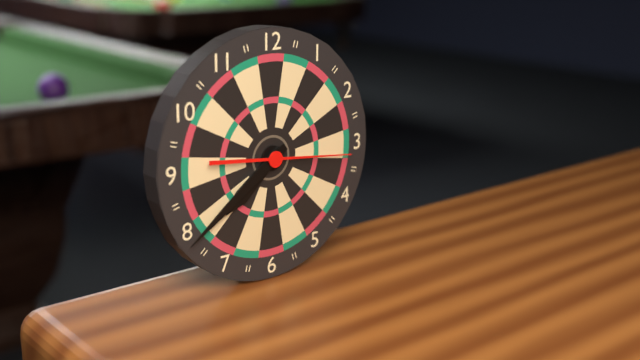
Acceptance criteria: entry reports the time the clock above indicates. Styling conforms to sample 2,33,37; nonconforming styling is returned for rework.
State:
7,39,16
